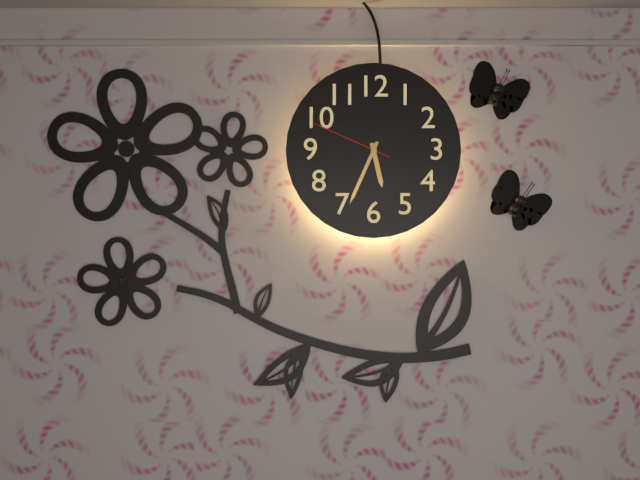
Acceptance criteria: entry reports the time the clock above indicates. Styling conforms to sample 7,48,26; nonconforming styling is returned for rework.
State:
5,34,49
